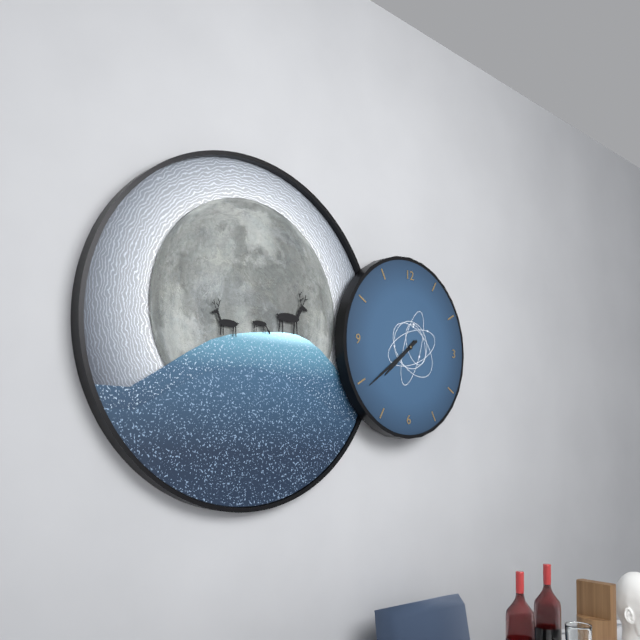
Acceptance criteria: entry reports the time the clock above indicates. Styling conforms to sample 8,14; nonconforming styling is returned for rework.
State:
7,39
